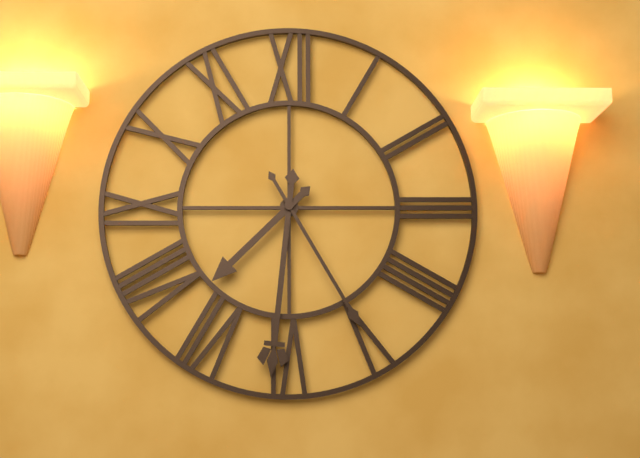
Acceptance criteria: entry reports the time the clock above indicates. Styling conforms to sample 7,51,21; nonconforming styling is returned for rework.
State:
7,31,25
